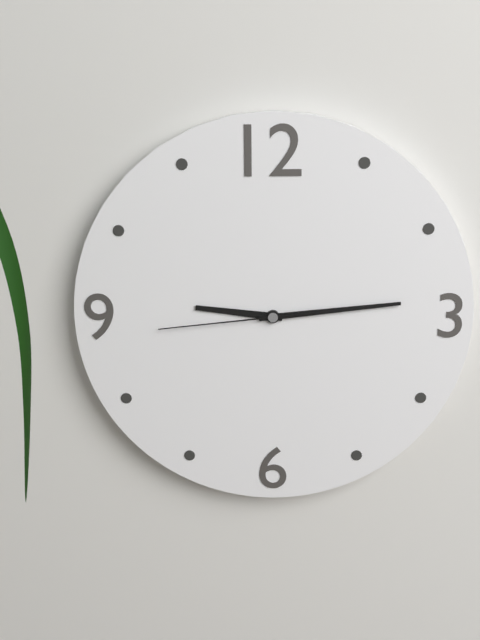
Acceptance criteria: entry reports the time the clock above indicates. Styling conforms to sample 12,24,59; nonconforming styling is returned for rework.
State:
9,14,44
